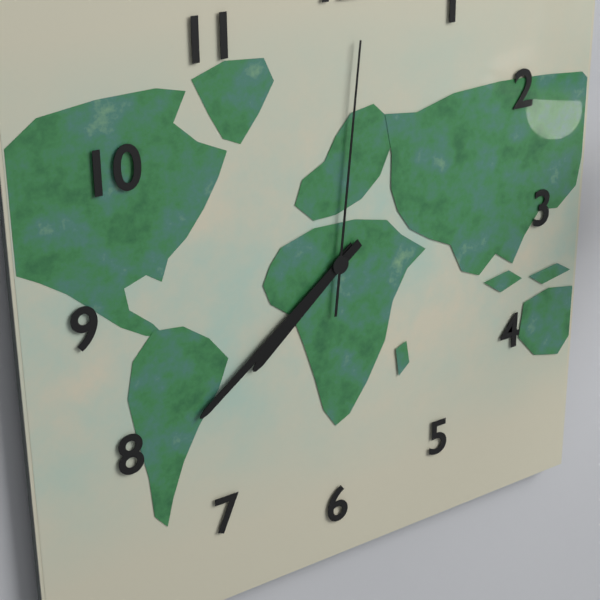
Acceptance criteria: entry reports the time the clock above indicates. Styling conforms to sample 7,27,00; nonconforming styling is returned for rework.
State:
7,39,01
